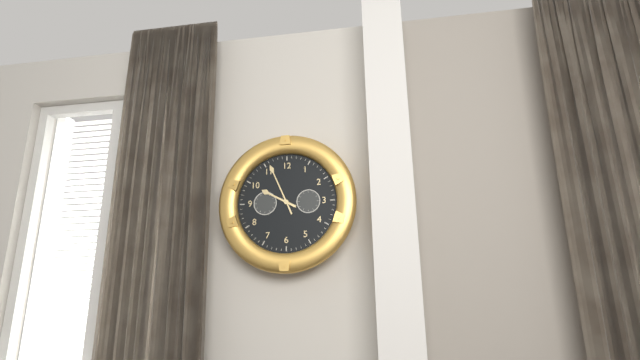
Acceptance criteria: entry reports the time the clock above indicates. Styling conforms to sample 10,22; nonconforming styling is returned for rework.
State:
9,56
